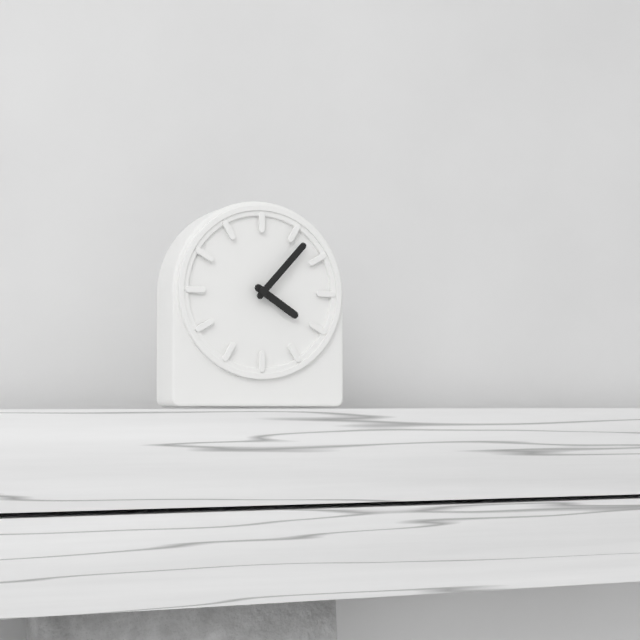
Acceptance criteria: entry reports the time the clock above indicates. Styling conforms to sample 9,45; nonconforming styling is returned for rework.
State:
4,07
